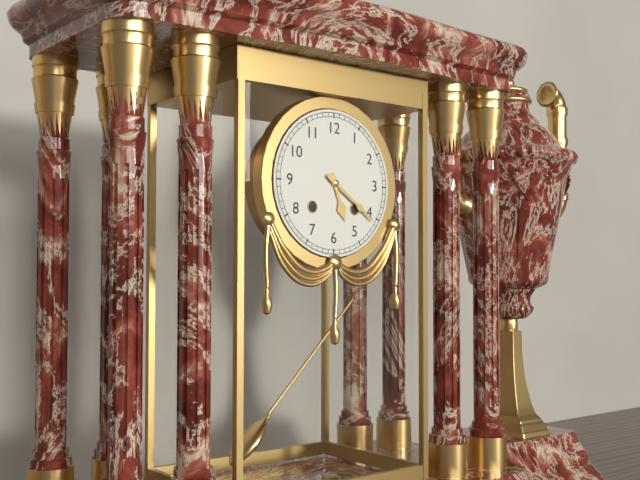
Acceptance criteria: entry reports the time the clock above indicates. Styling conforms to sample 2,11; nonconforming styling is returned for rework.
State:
5,21
